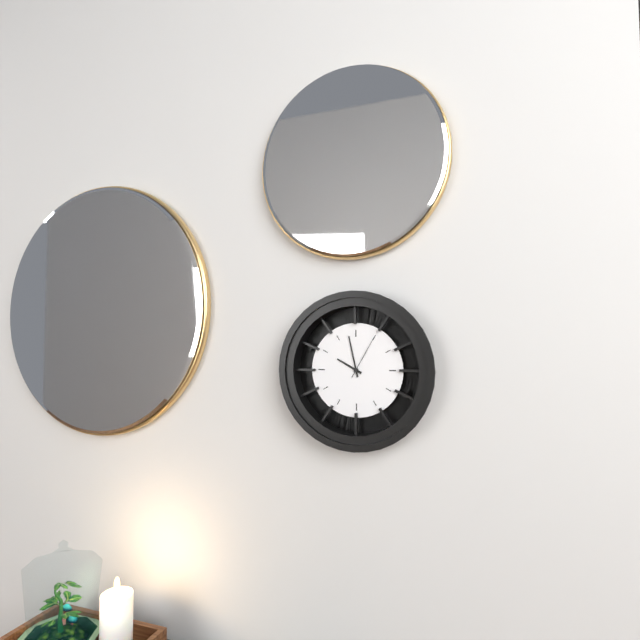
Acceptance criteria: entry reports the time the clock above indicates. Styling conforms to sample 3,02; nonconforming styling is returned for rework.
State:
9,58
